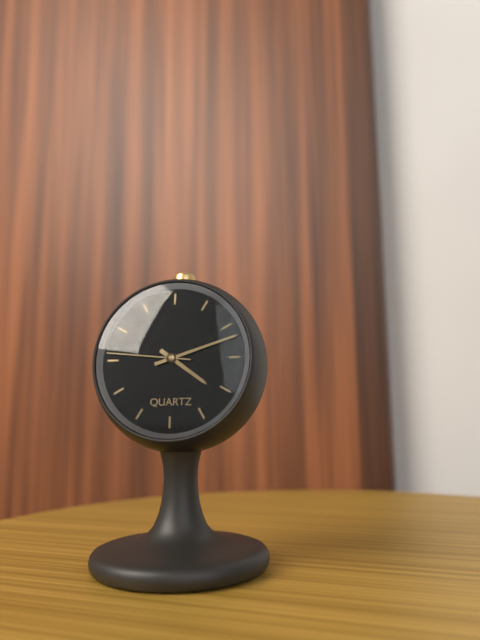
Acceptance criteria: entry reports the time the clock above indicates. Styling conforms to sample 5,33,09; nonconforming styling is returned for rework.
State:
4,12,46
